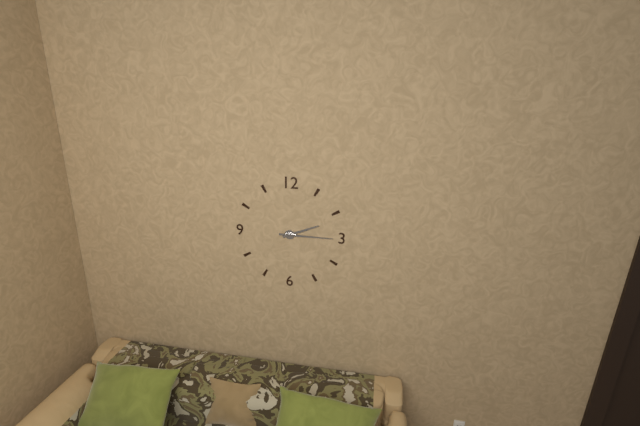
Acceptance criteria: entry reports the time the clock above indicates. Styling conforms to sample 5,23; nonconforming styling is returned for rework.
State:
2,15
